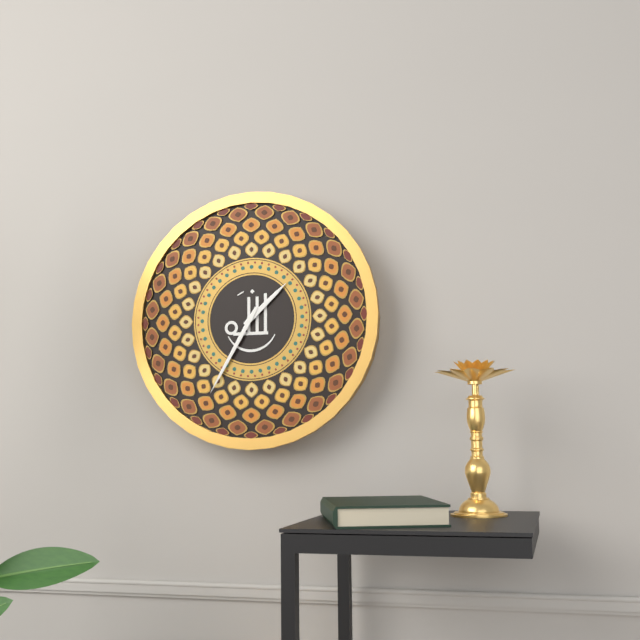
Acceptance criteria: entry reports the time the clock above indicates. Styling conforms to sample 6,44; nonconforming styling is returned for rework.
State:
1,35
